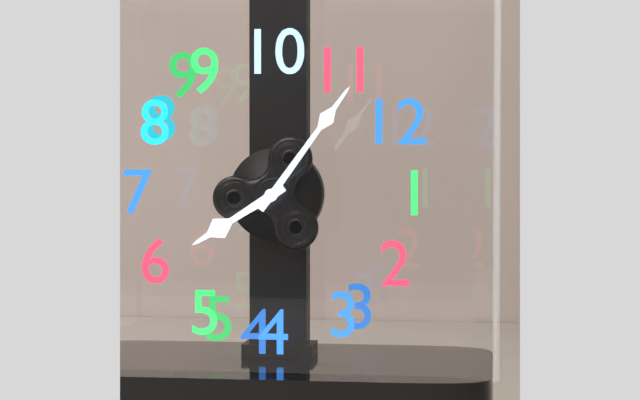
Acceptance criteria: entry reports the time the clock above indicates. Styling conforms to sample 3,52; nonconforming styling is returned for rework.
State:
5,56
